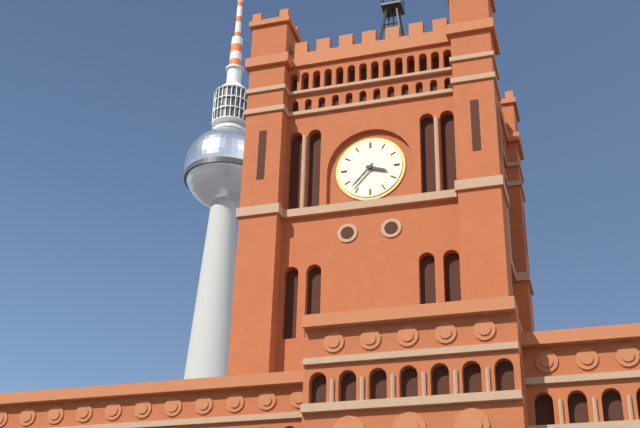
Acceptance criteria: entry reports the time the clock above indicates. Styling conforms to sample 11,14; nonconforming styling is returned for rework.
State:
3,37
